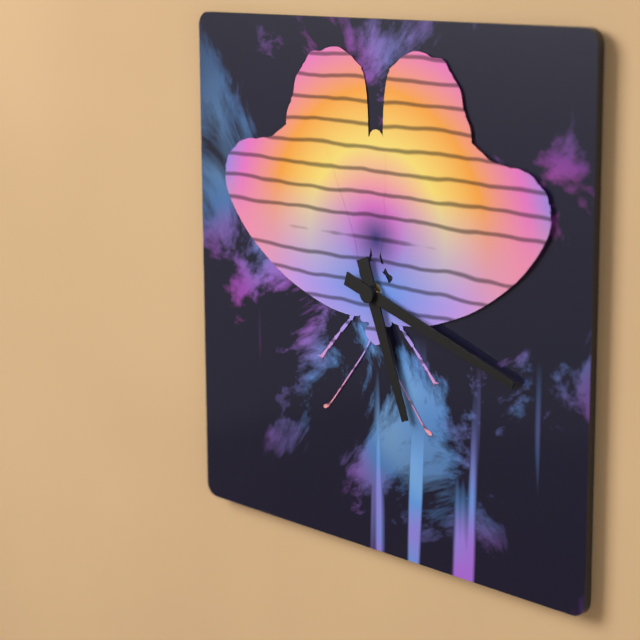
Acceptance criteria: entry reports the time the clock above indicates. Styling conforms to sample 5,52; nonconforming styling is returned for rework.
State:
5,18
